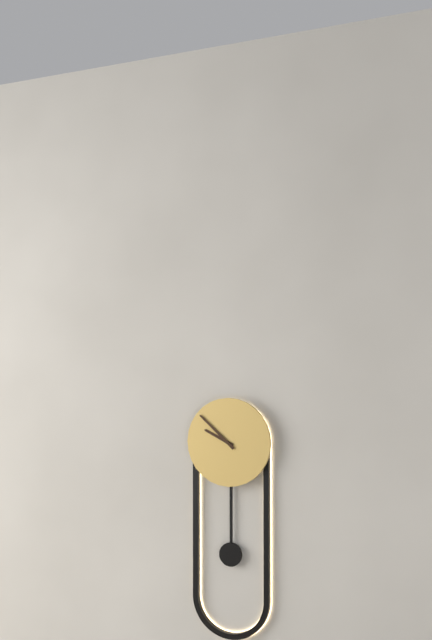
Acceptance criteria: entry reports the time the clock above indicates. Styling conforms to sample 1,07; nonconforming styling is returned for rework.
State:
9,52
